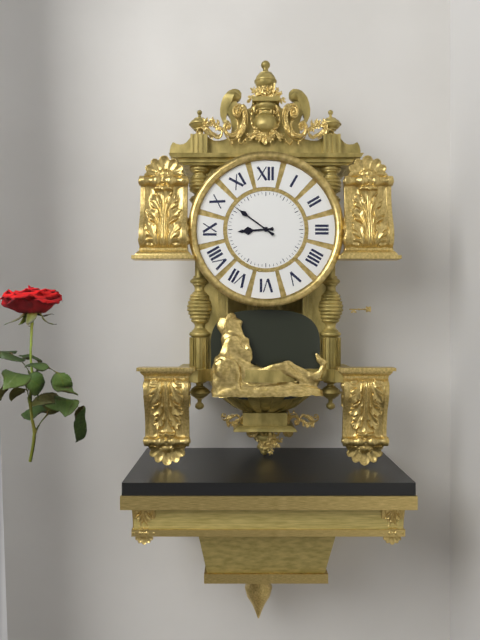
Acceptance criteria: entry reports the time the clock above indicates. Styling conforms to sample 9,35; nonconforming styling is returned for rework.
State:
8,51
